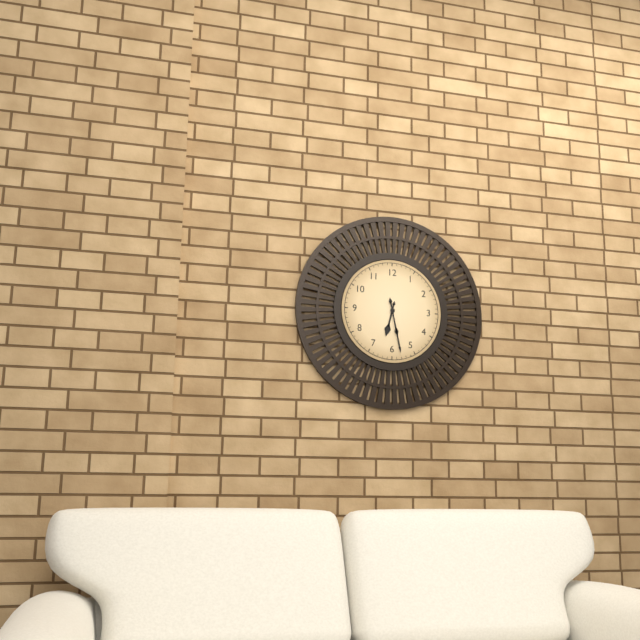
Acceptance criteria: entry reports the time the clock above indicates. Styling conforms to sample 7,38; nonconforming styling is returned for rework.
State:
6,28
